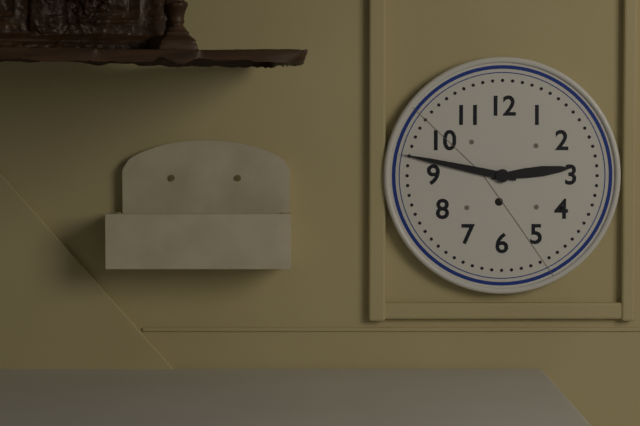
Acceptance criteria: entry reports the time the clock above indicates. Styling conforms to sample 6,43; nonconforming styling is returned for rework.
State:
2,47
